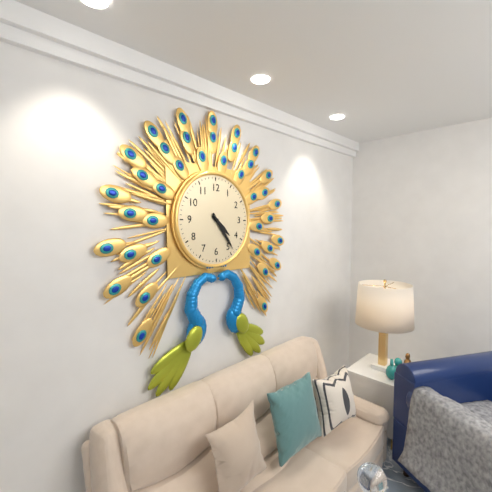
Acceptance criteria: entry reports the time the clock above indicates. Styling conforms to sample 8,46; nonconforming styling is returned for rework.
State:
4,24
